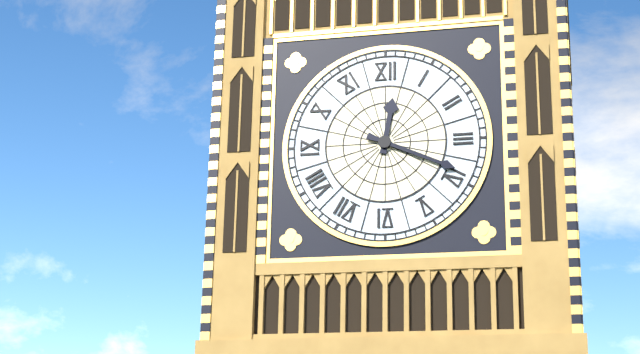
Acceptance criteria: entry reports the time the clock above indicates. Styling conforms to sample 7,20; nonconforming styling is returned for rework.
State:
12,19
